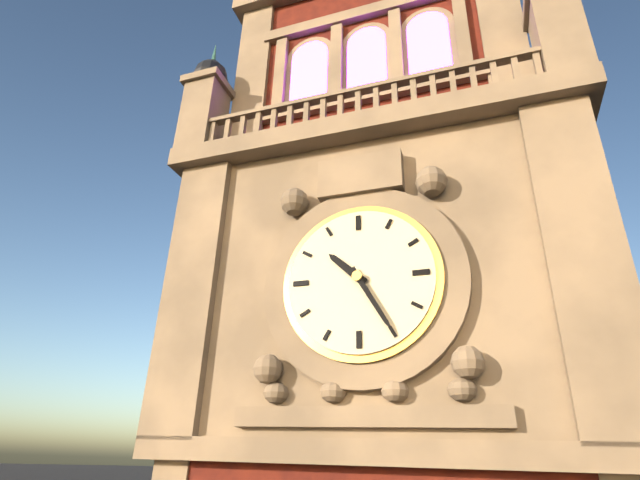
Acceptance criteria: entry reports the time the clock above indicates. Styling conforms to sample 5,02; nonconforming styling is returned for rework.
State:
10,25
